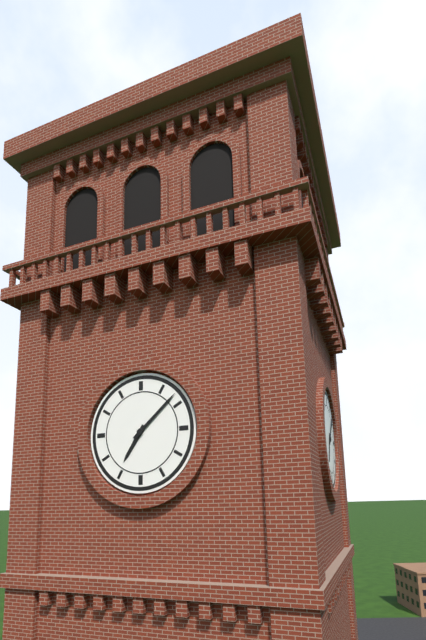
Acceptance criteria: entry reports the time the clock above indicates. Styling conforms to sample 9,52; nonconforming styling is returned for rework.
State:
7,08
